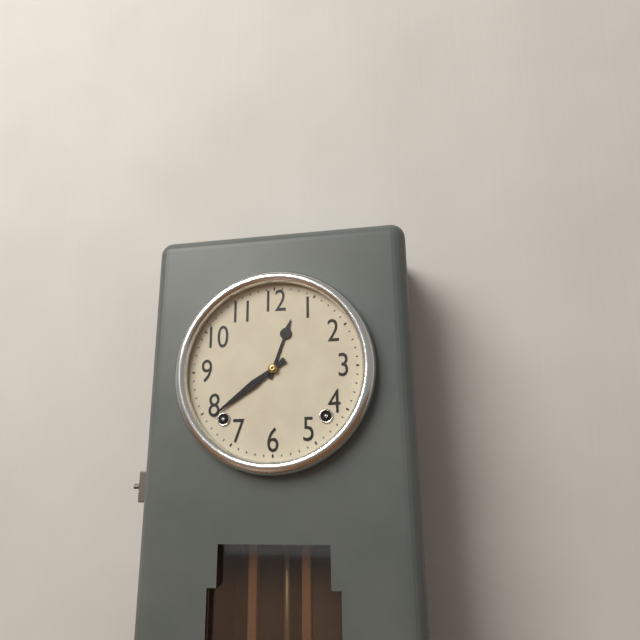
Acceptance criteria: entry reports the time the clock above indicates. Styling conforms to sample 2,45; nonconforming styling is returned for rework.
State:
12,39
